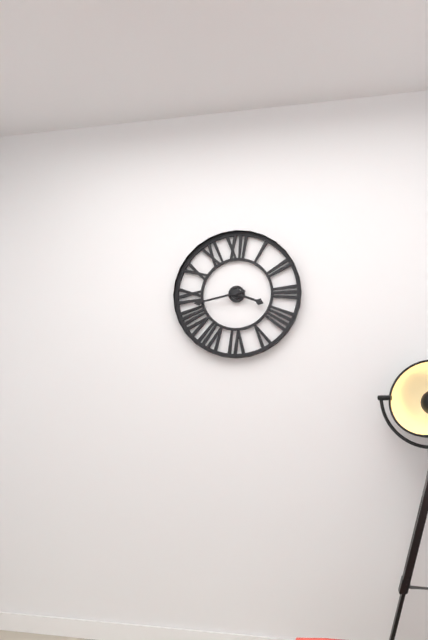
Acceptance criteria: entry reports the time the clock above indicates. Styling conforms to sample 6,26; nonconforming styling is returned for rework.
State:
3,43
